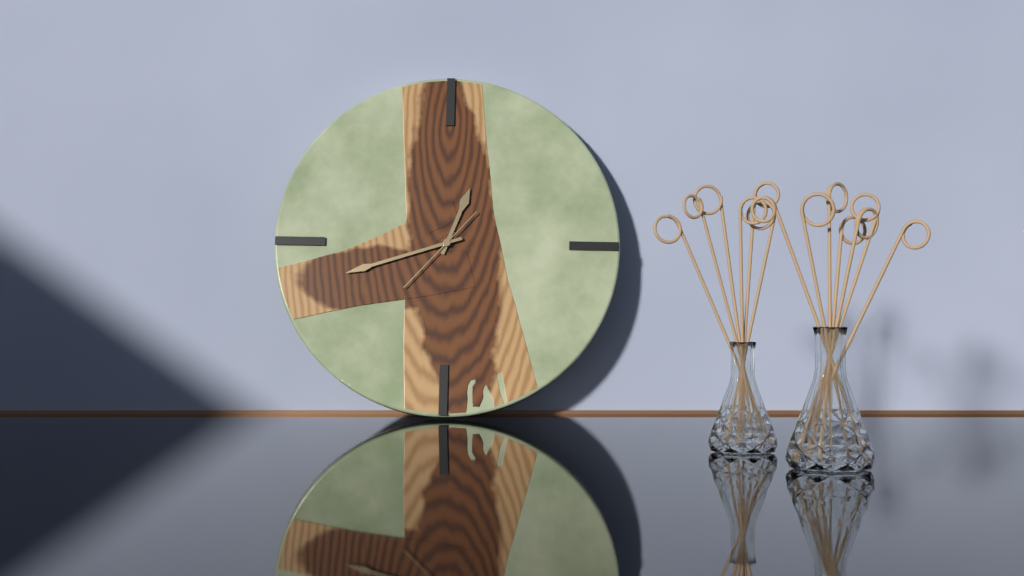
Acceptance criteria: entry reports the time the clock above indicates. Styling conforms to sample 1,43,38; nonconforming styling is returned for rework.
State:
12,42,37
